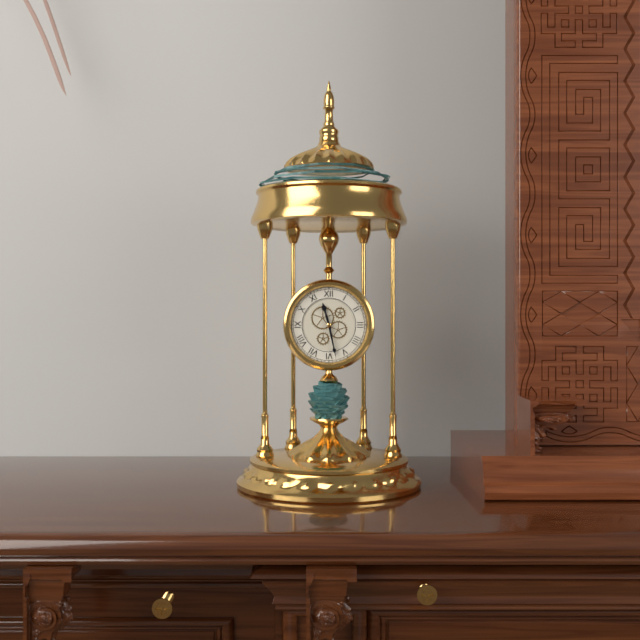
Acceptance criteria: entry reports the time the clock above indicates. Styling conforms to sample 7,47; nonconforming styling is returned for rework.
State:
11,28
